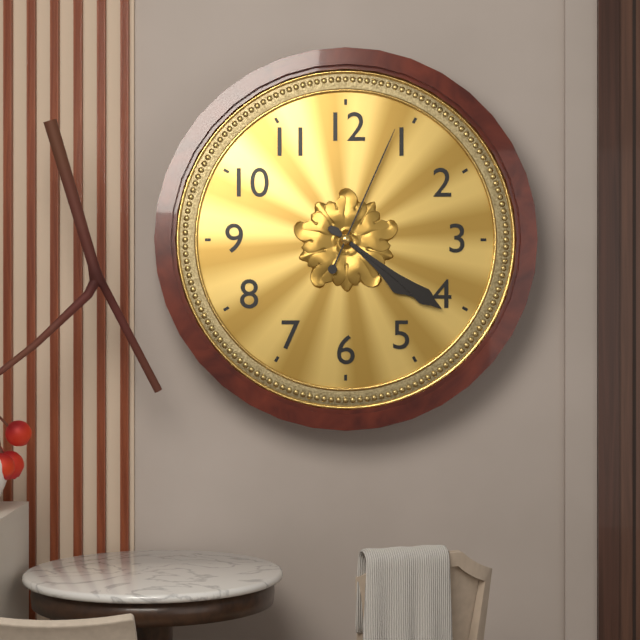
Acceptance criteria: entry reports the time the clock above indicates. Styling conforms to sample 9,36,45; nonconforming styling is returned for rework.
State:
4,21,04
